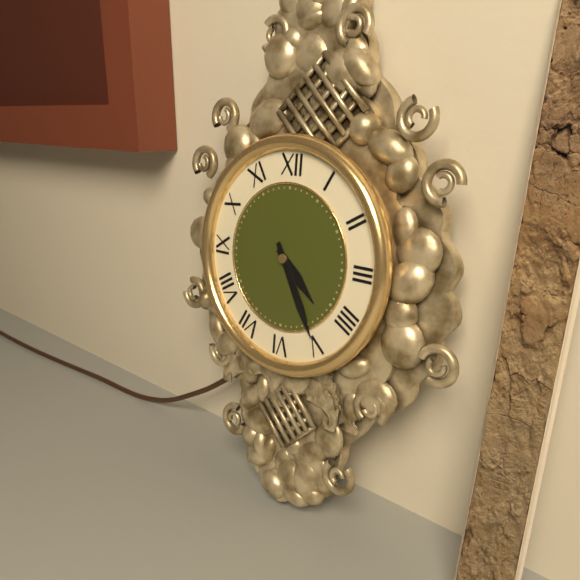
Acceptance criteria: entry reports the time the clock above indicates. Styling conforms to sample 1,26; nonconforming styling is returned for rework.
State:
4,25
